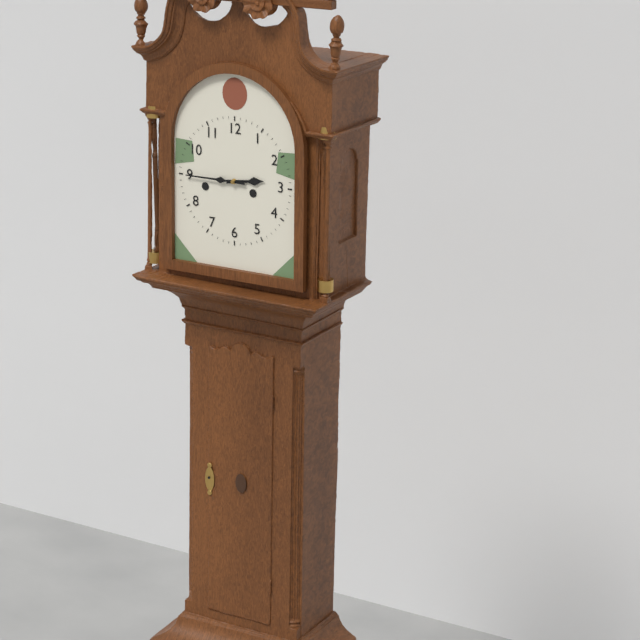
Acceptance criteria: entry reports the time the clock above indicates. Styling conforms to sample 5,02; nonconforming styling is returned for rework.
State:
2,45
